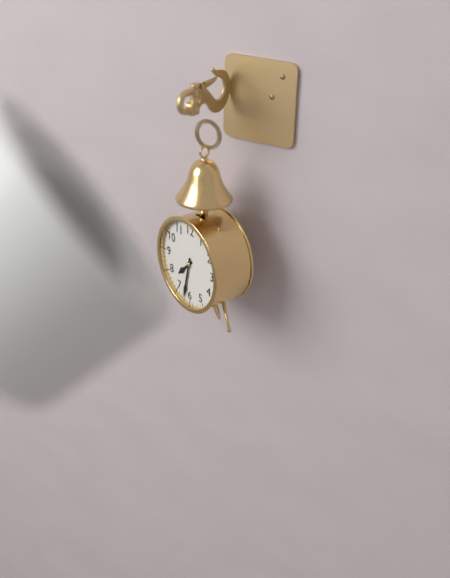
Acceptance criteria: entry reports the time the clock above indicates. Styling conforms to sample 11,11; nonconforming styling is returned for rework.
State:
7,32
